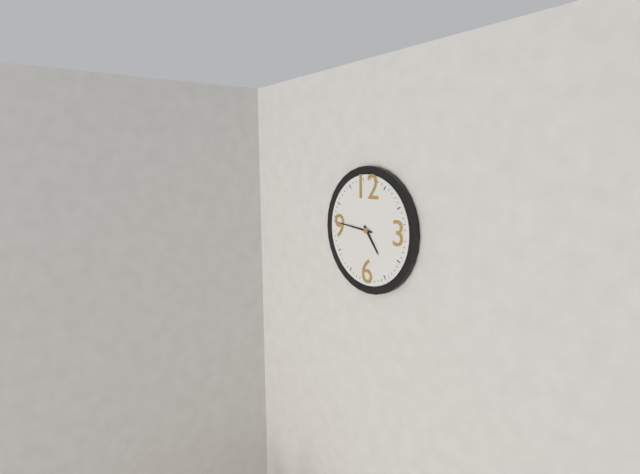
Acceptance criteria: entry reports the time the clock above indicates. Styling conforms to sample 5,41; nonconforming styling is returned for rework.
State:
4,46
